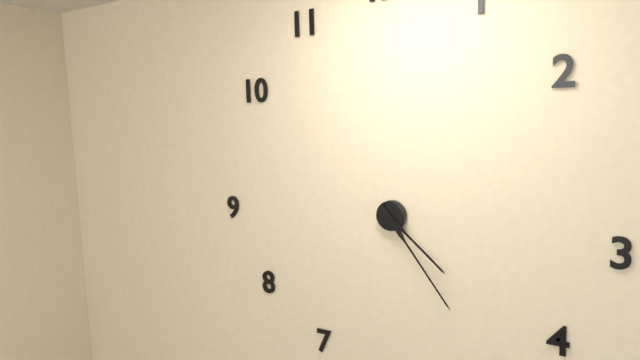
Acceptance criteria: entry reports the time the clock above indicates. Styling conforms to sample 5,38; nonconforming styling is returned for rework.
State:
4,24
